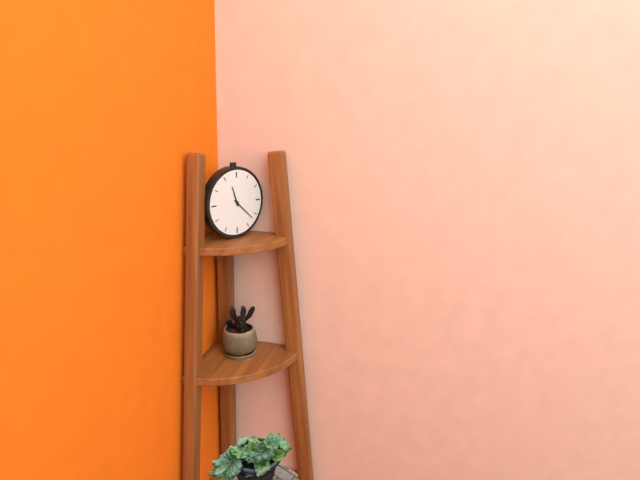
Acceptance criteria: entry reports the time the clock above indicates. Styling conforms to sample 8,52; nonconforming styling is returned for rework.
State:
11,22
